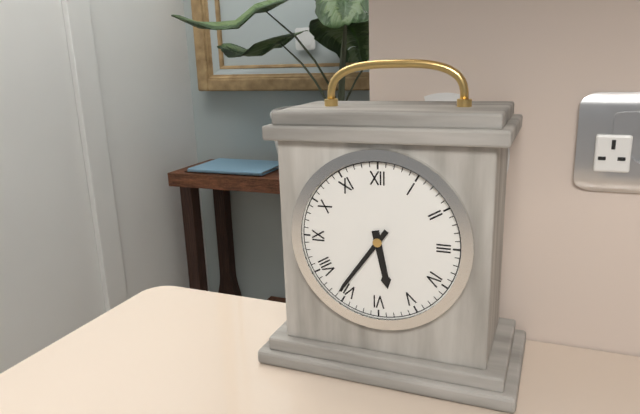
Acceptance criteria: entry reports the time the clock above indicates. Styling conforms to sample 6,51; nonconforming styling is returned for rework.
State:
5,36
